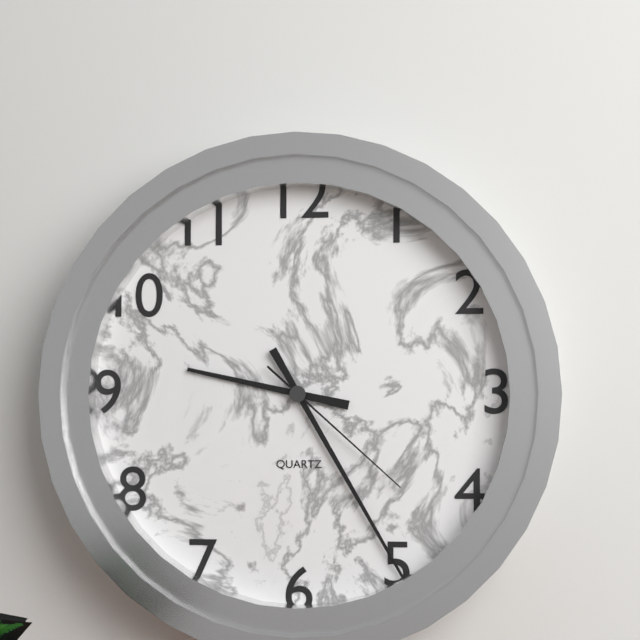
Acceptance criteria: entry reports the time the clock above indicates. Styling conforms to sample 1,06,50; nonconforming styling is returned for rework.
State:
9,25,22
